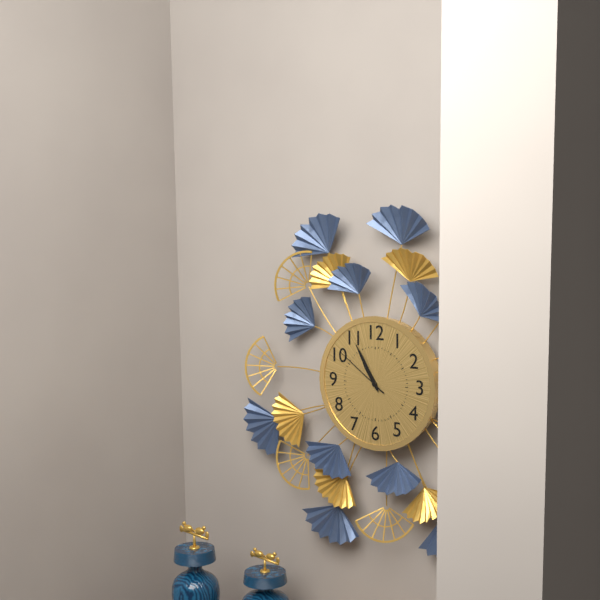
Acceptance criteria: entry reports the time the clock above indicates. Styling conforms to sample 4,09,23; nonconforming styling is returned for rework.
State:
10,55,51
